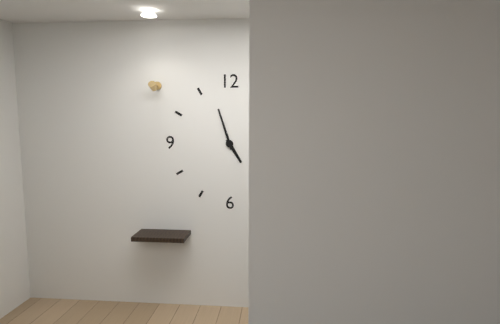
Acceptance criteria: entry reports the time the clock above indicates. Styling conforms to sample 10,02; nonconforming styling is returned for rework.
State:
4,57
